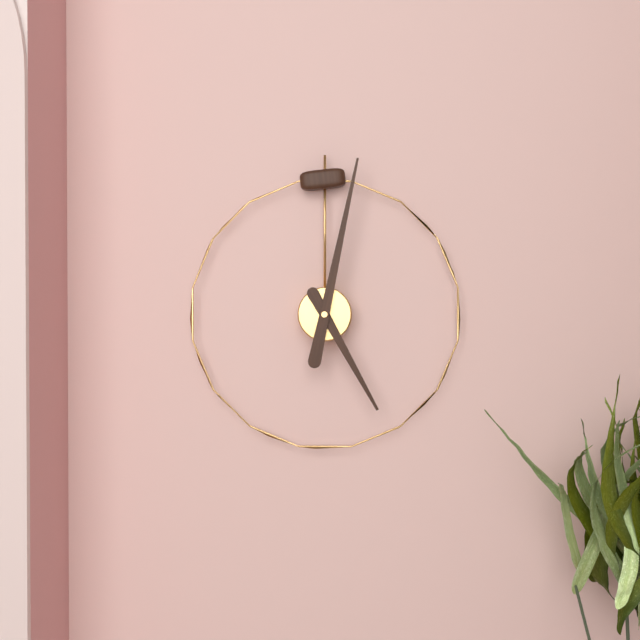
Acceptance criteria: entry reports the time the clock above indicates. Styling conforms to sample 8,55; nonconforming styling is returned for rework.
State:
5,02
